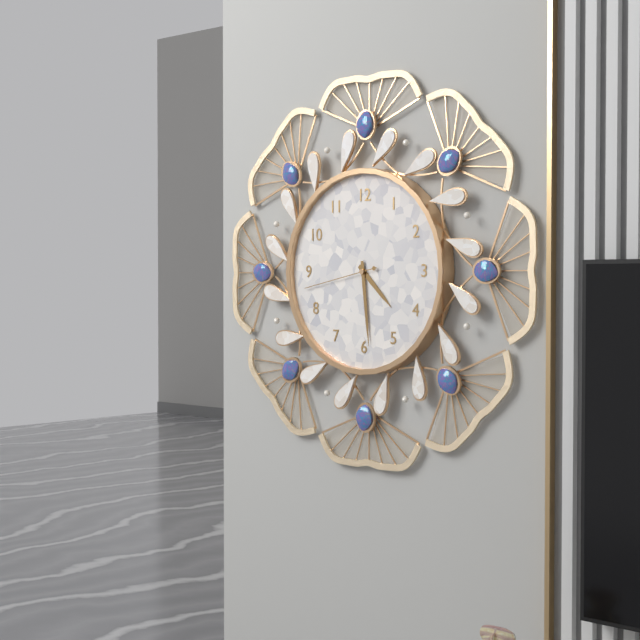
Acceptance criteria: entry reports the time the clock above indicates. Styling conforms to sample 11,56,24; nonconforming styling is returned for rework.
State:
4,29,43
